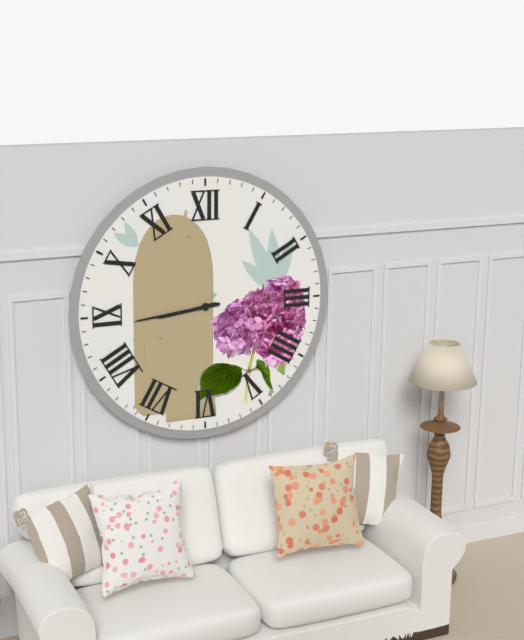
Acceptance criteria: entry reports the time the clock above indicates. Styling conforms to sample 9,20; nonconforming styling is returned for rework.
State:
8,44
